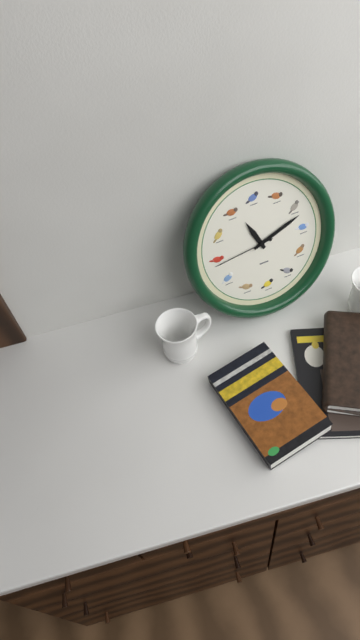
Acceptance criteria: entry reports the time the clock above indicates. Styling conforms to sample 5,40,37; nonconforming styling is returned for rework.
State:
11,12,44
